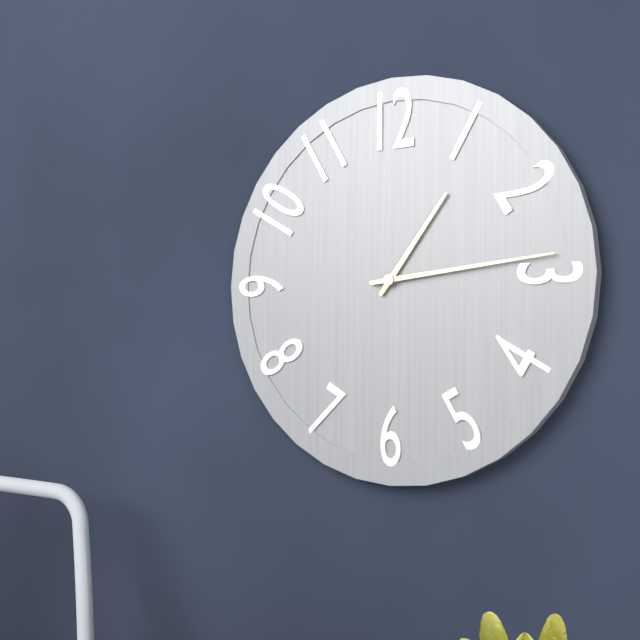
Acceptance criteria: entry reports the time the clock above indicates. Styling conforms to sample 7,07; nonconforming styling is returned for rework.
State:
1,14
